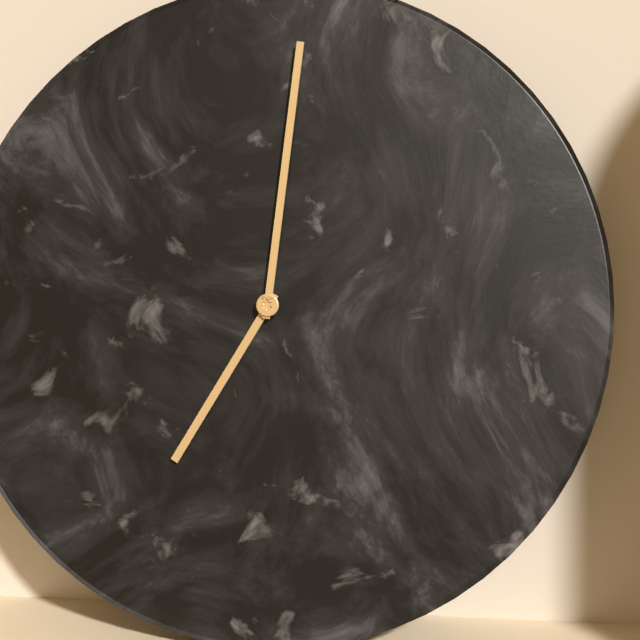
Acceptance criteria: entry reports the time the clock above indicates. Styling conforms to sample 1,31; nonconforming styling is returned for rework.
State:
7,01
